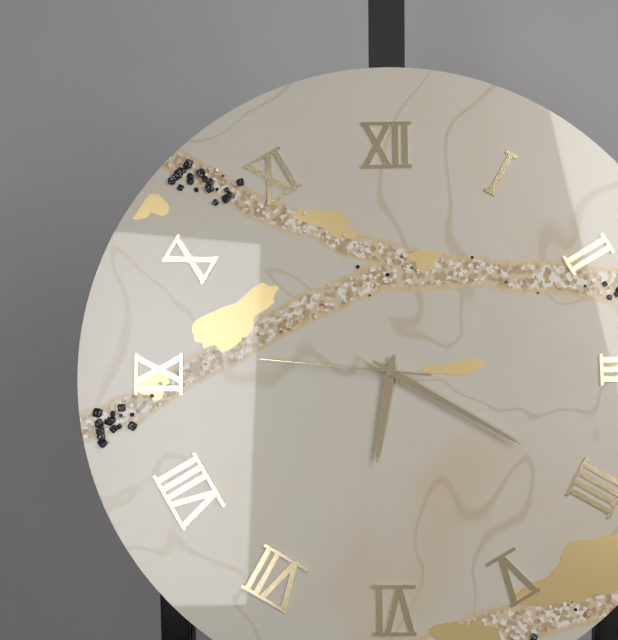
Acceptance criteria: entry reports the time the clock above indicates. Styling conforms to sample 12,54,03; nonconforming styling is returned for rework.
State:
6,20,46
